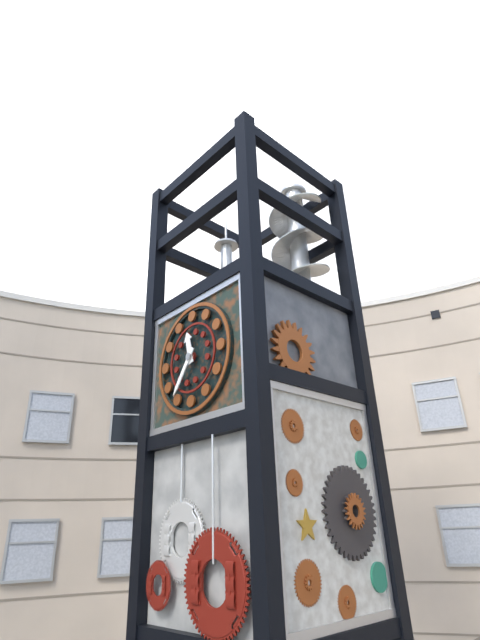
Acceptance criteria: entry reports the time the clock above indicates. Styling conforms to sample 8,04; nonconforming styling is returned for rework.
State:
11,36
